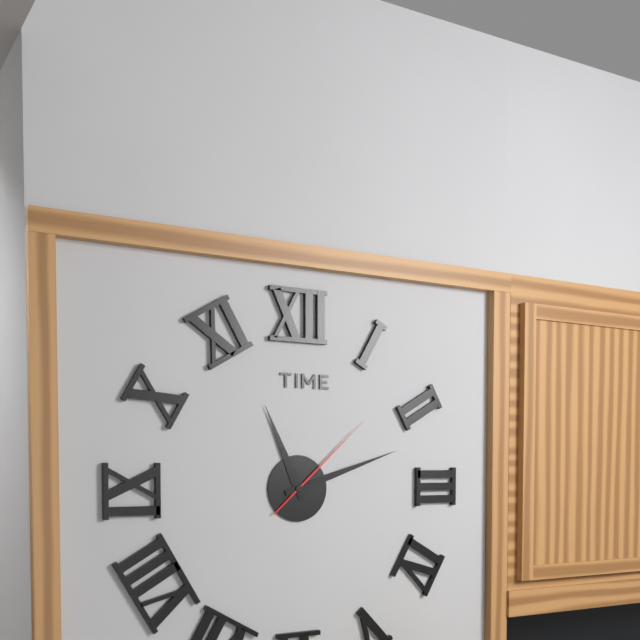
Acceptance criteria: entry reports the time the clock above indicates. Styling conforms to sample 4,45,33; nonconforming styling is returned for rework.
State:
11,12,08
